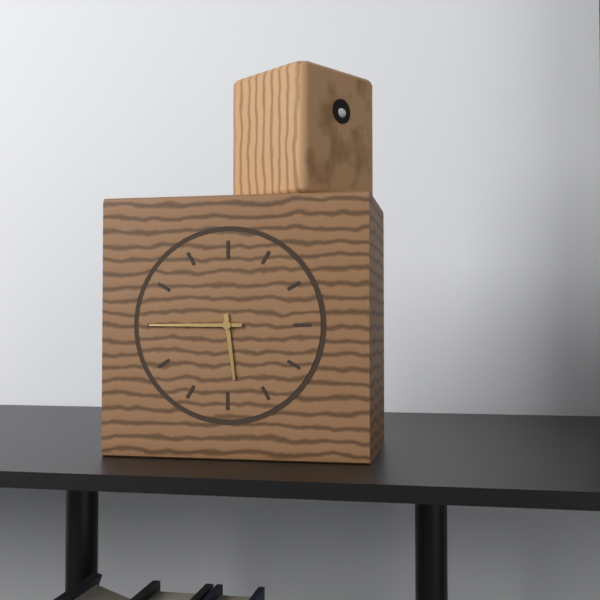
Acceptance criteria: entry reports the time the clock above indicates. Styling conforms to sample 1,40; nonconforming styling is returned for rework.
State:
5,45
